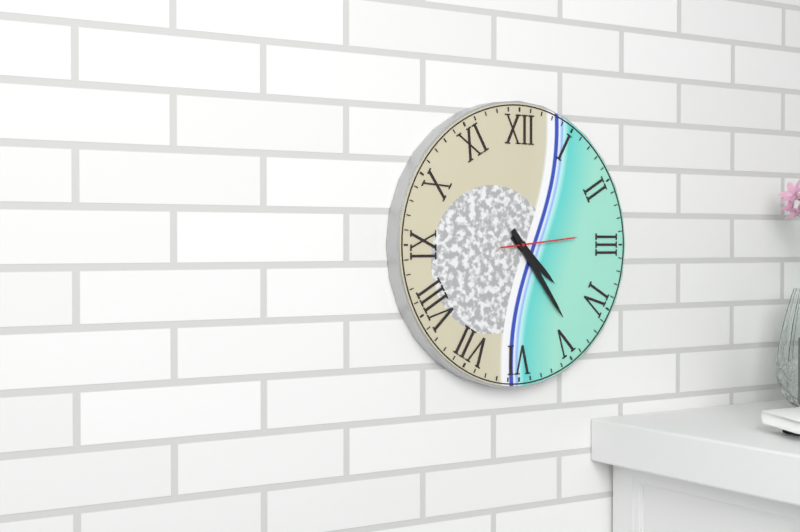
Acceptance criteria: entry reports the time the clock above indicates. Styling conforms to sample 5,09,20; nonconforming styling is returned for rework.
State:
4,24,14
